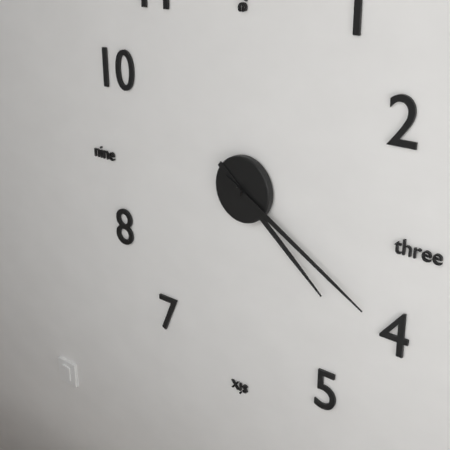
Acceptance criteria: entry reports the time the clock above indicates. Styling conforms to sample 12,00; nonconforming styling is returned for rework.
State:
4,20
